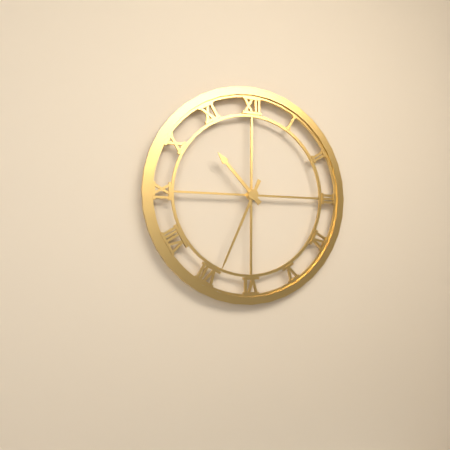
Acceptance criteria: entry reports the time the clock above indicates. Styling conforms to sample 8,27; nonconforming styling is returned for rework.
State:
10,34
